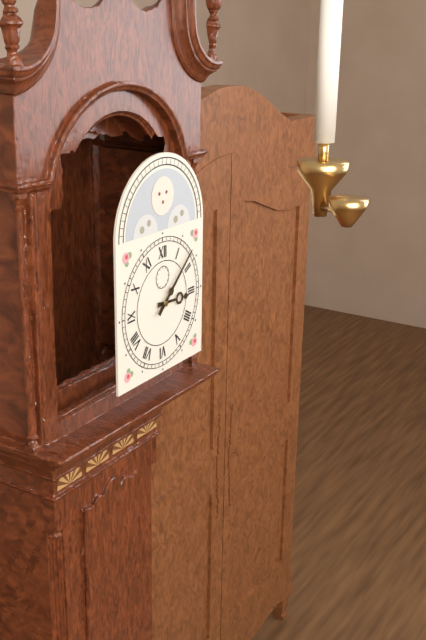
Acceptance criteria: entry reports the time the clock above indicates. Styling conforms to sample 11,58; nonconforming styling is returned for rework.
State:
3,08
